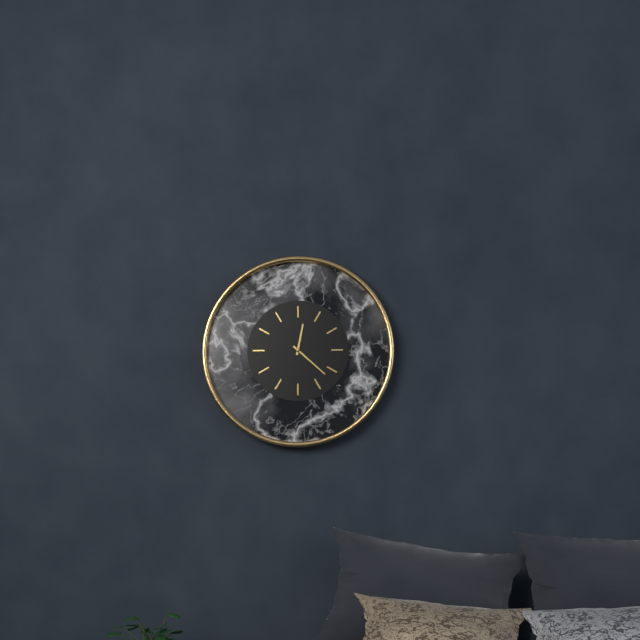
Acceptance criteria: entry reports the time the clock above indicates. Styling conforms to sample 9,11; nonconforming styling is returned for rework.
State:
12,22
